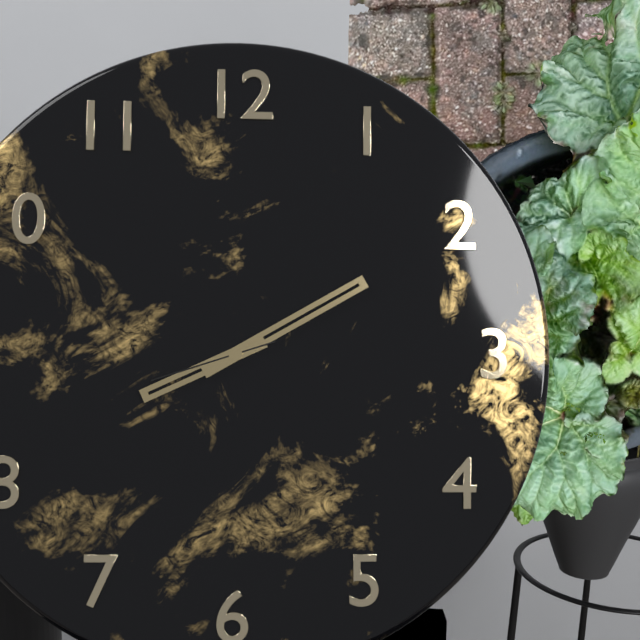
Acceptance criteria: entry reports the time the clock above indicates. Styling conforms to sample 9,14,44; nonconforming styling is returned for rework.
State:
8,10,42
